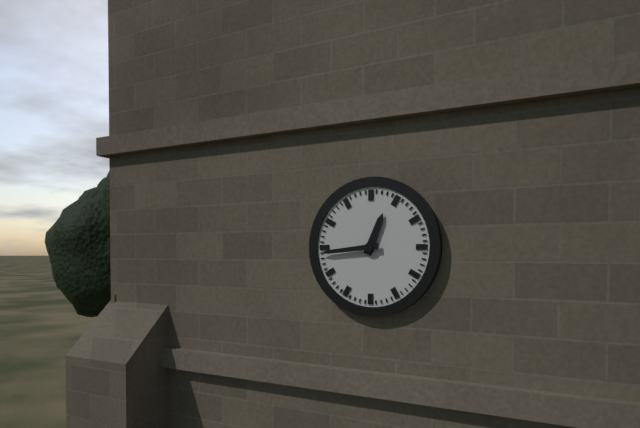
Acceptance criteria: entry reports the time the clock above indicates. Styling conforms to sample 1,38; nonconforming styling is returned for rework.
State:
12,44
